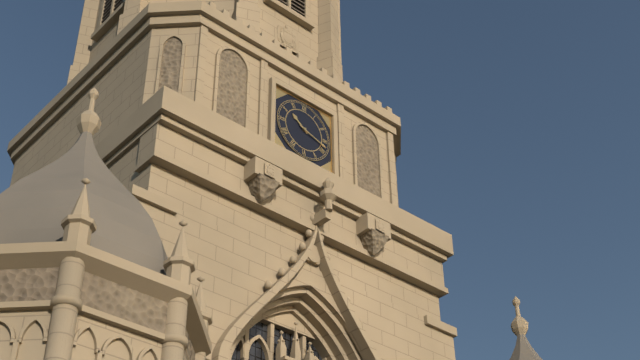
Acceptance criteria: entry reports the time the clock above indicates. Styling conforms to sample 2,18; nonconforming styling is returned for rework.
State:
10,18
